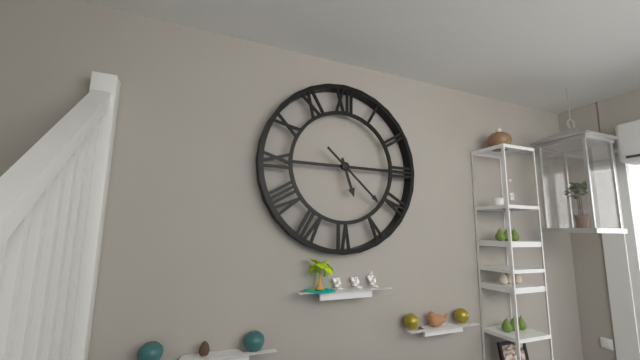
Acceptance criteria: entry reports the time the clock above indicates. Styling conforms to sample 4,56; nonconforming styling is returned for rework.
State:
5,22
